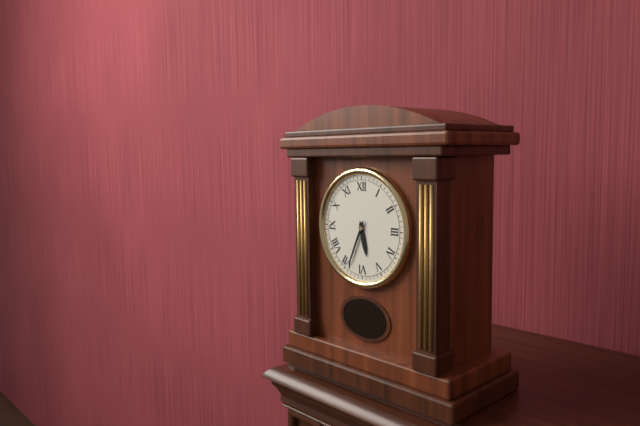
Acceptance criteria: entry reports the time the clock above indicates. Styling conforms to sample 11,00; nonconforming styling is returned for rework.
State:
5,34
